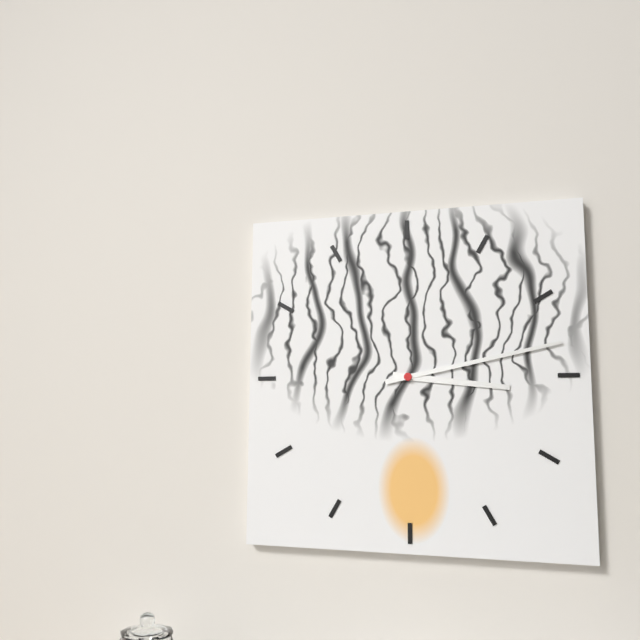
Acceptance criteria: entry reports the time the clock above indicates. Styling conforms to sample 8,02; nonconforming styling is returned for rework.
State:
3,13
